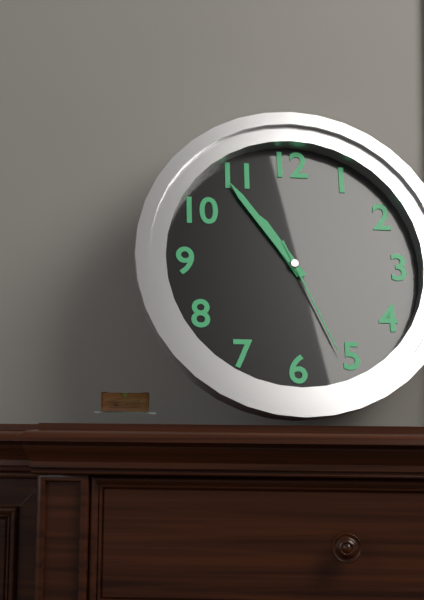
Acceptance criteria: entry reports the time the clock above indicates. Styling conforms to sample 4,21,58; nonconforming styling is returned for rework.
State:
10,54,26
